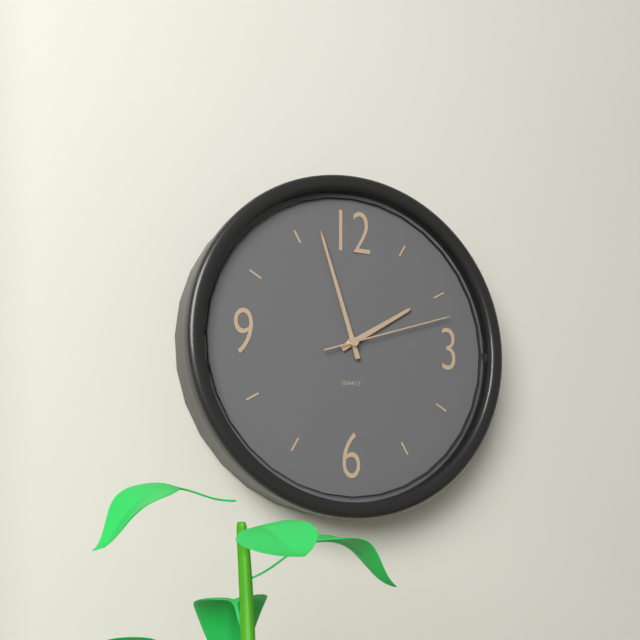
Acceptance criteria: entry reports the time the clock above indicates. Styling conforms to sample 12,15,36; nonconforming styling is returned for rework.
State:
1,57,12
